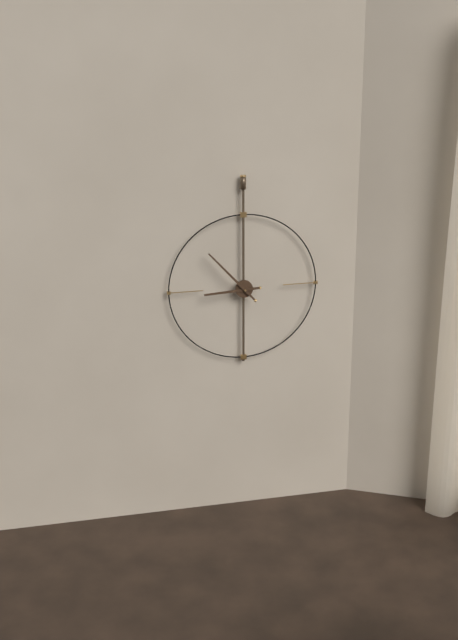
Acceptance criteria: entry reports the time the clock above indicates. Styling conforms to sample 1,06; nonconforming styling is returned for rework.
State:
8,53
